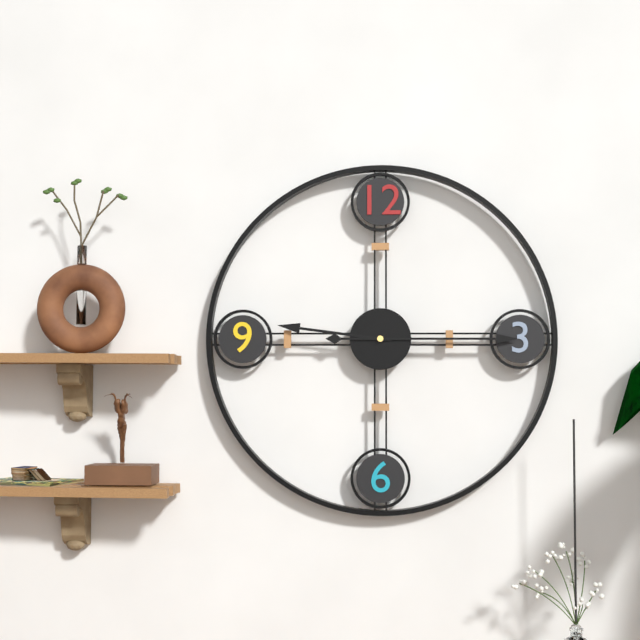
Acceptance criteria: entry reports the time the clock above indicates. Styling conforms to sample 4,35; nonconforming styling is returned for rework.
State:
9,15
